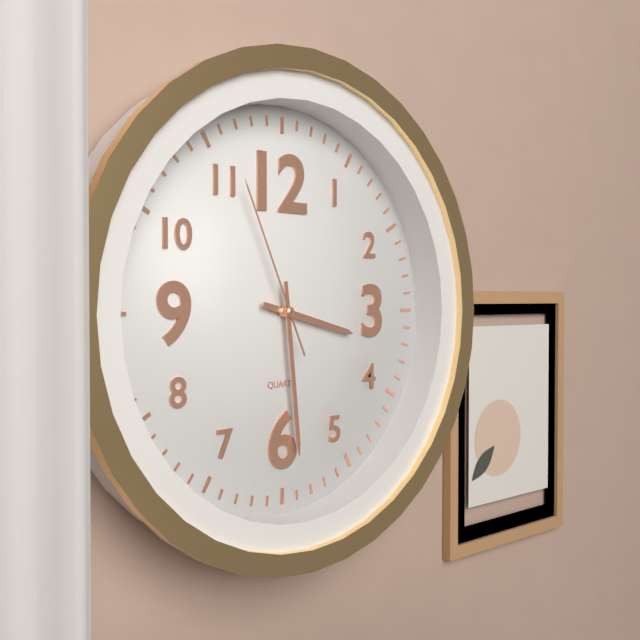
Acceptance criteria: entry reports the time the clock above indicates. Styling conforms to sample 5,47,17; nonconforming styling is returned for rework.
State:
3,29,56
